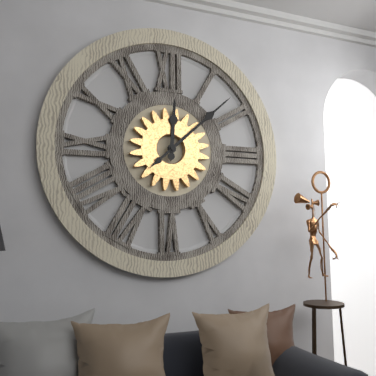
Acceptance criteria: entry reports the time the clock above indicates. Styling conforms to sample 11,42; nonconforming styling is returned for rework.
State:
12,08
